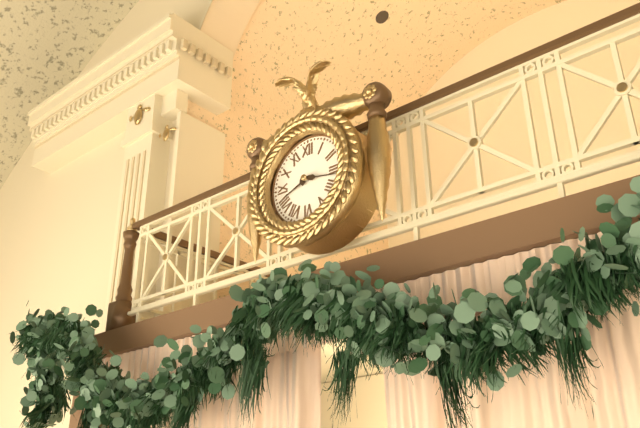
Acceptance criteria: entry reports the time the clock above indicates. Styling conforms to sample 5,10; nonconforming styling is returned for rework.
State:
8,17
